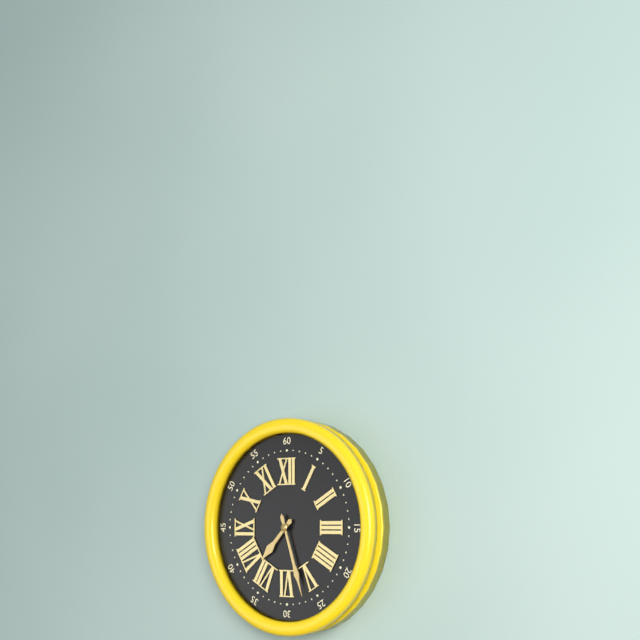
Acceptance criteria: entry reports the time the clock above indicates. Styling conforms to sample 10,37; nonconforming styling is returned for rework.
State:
7,27
